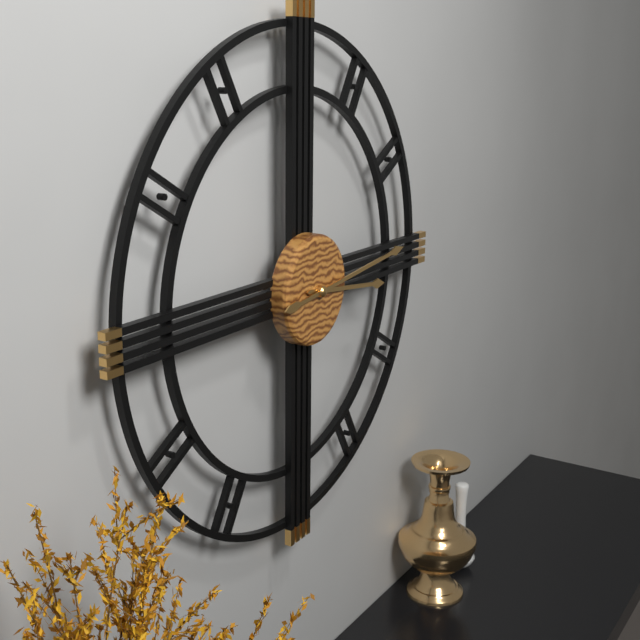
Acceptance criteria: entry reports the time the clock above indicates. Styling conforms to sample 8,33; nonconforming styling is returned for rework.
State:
3,14
